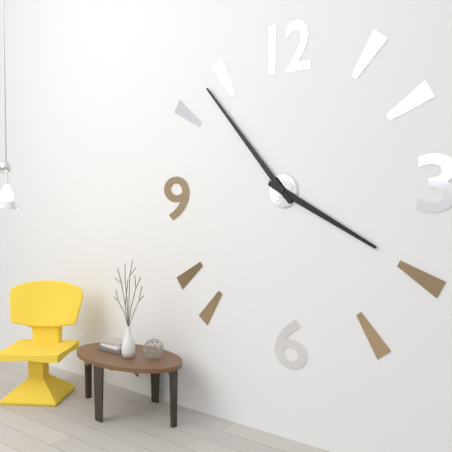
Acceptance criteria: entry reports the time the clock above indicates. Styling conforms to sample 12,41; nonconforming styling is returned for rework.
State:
3,53
